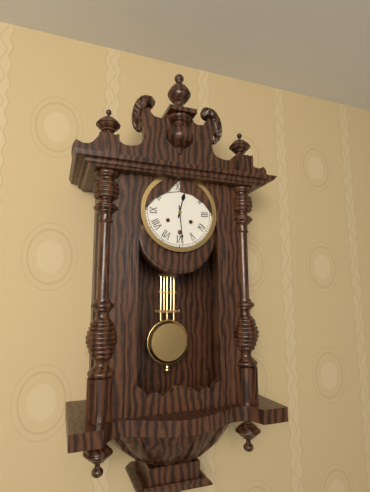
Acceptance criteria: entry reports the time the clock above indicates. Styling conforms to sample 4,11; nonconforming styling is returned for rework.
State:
12,29
